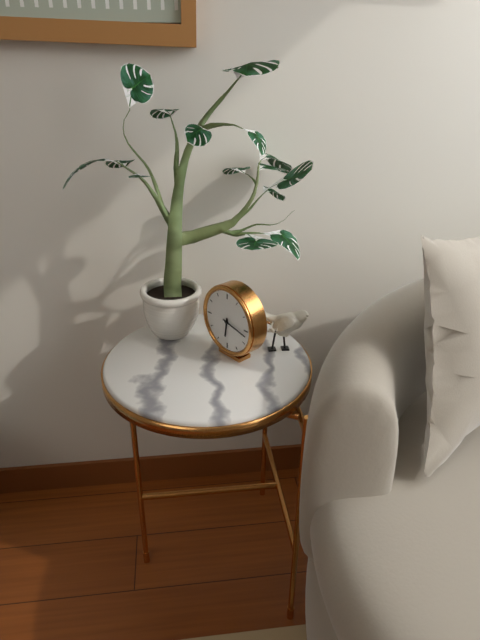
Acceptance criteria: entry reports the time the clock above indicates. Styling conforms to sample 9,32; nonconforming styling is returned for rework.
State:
6,17
